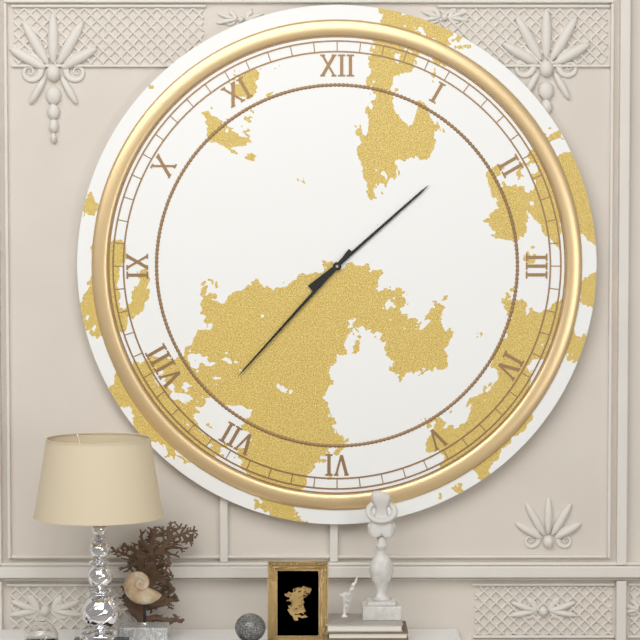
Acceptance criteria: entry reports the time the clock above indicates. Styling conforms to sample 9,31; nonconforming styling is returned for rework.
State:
1,37
